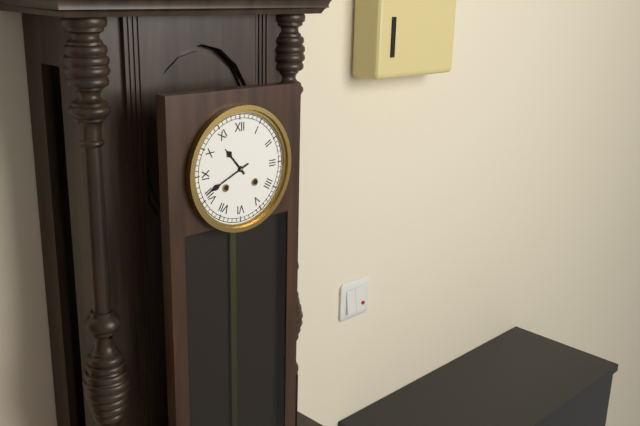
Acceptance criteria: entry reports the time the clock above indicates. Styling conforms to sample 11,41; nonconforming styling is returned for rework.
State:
10,41
